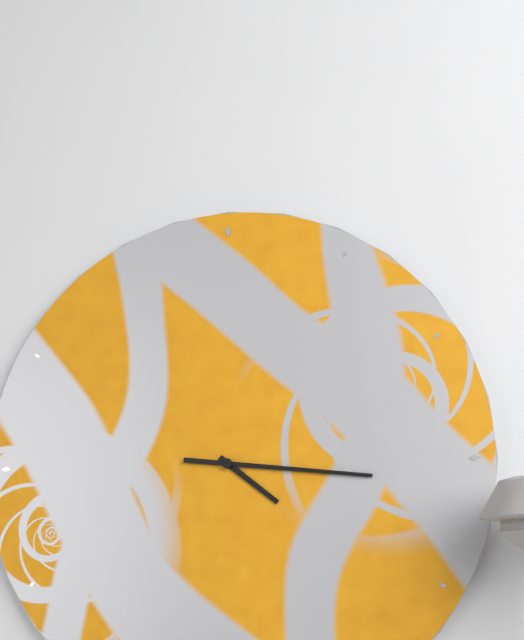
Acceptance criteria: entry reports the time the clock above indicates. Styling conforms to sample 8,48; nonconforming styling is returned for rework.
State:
4,16
